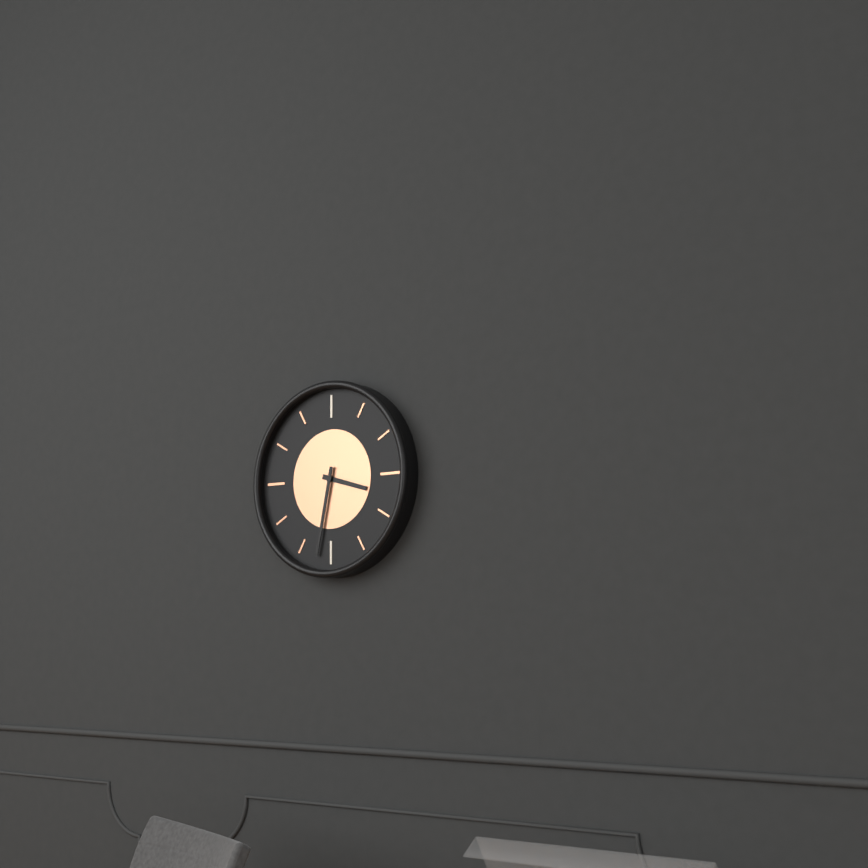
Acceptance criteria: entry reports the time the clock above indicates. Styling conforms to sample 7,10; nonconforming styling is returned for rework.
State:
3,32
